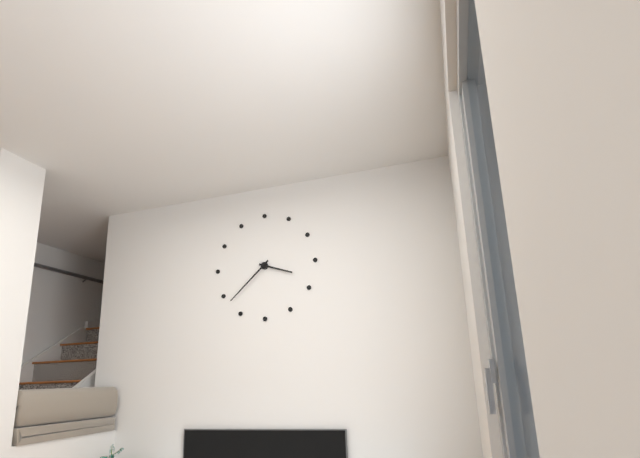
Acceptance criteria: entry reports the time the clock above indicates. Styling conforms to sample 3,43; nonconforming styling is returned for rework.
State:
3,38
